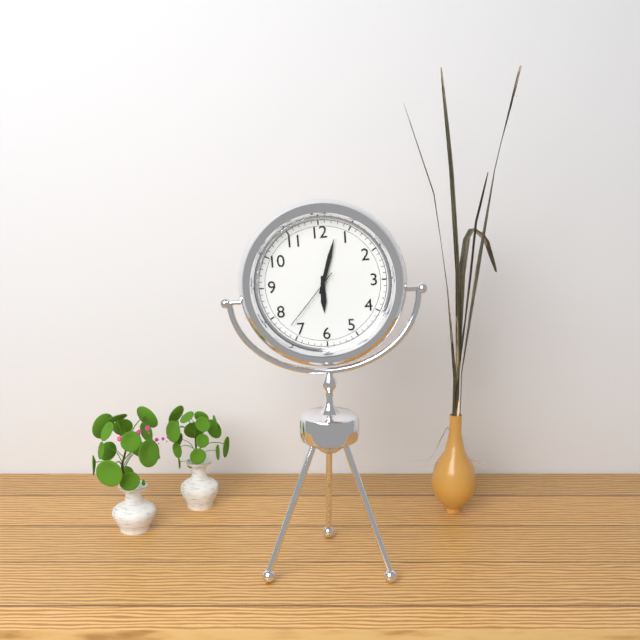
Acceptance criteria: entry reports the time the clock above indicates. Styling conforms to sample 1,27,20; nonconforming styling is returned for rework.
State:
6,03,37
